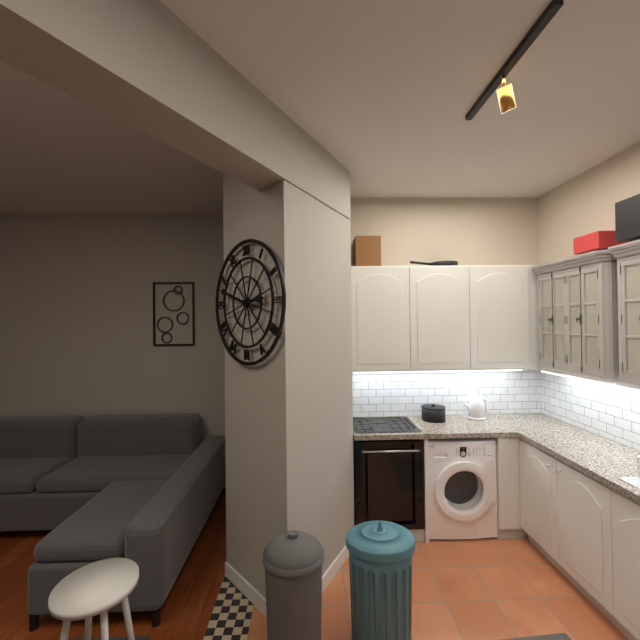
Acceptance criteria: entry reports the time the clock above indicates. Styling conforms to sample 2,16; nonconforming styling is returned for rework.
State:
2,48
